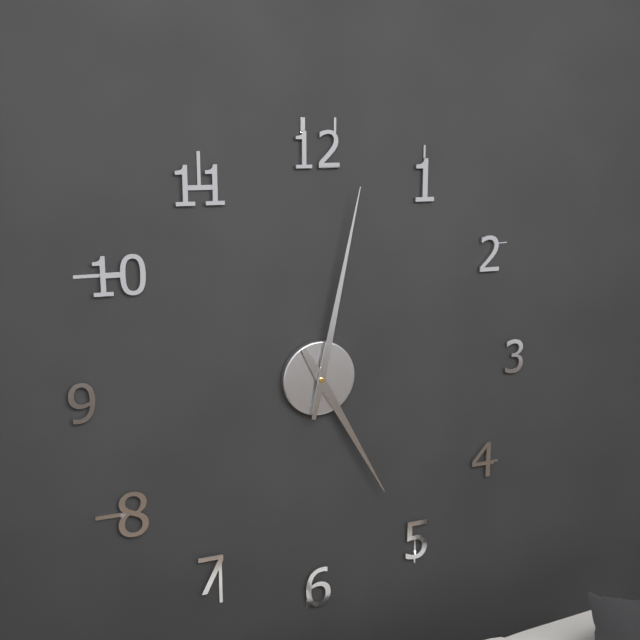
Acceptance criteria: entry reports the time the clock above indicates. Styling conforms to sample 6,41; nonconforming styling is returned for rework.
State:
5,02
